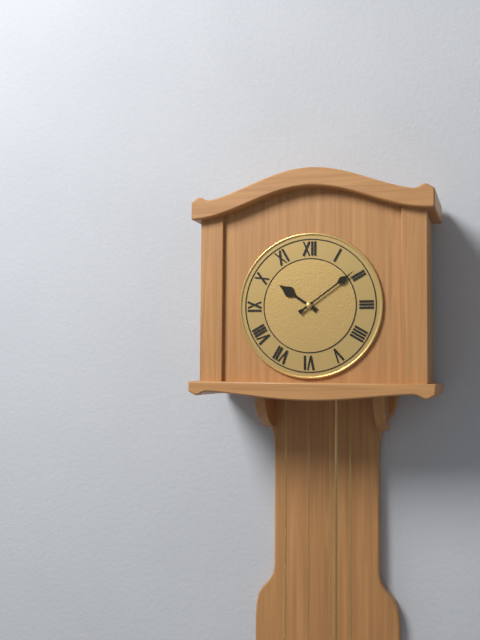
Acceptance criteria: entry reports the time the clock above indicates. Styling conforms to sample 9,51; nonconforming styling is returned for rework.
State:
10,09
